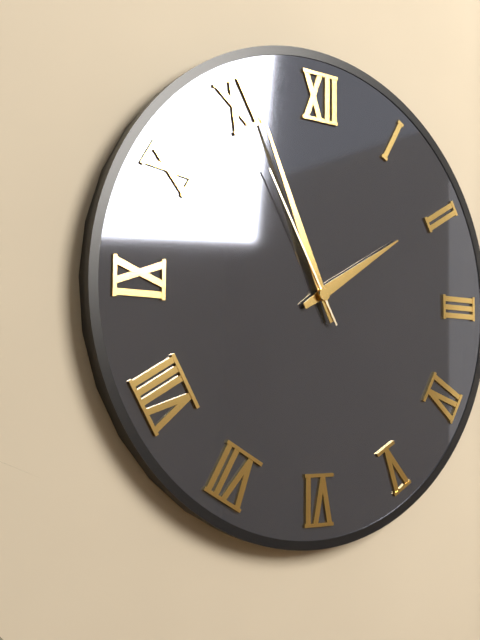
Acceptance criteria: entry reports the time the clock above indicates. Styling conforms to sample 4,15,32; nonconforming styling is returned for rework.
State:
1,56,55
